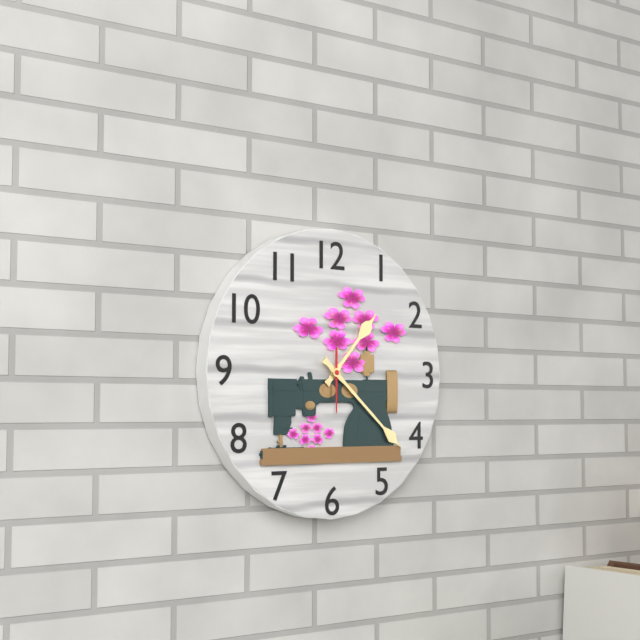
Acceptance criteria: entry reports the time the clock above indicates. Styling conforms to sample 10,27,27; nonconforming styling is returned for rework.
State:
1,22,30
